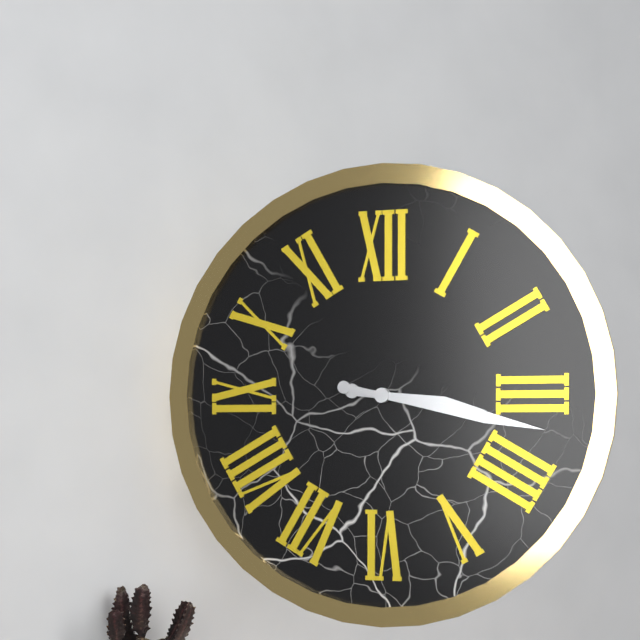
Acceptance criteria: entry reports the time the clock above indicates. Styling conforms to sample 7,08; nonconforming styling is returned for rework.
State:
3,17
